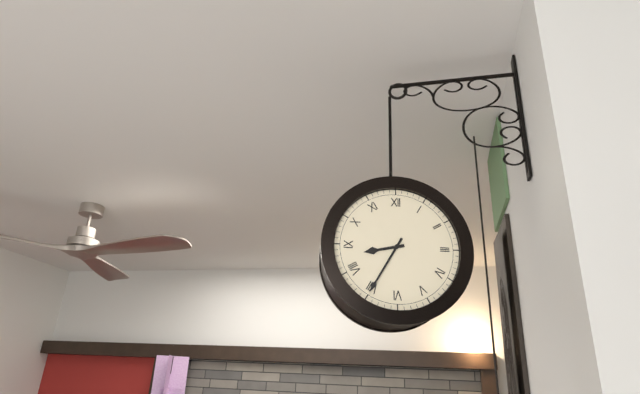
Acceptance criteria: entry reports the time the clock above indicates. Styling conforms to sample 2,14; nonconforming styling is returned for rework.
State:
8,35
